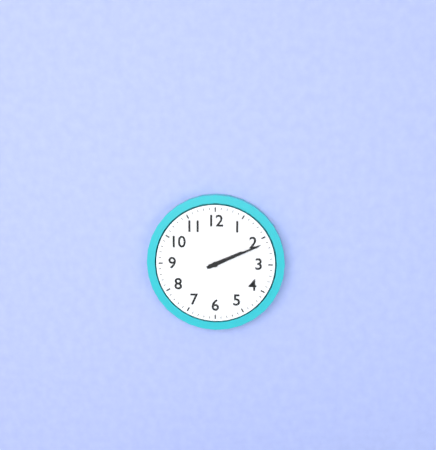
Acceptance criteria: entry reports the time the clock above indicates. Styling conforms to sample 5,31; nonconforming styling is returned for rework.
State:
2,11
